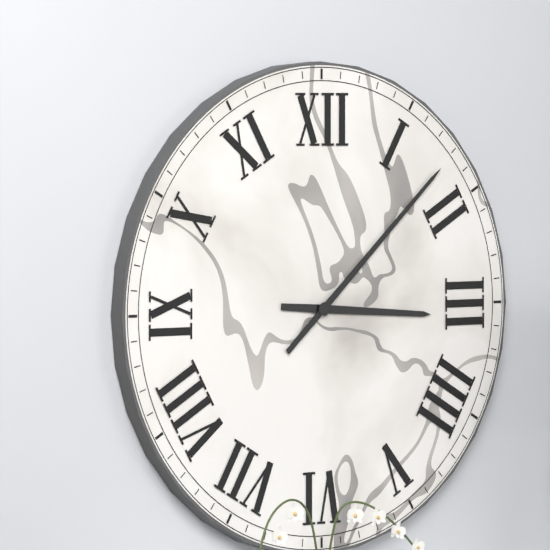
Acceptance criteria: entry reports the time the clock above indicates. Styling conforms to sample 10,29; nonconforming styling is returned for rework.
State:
3,08
